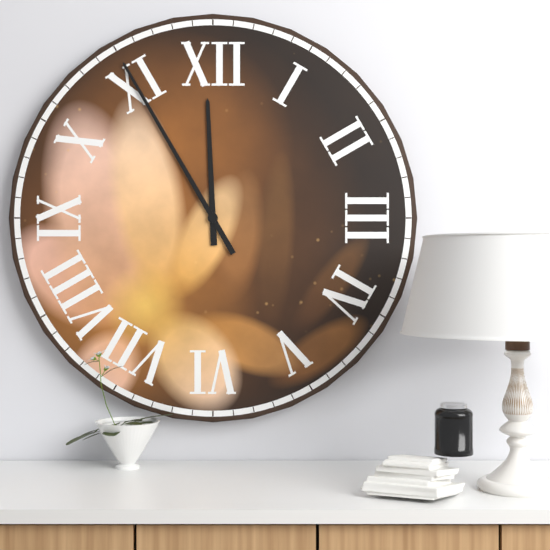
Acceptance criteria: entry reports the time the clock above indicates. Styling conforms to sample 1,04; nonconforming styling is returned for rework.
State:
11,55
